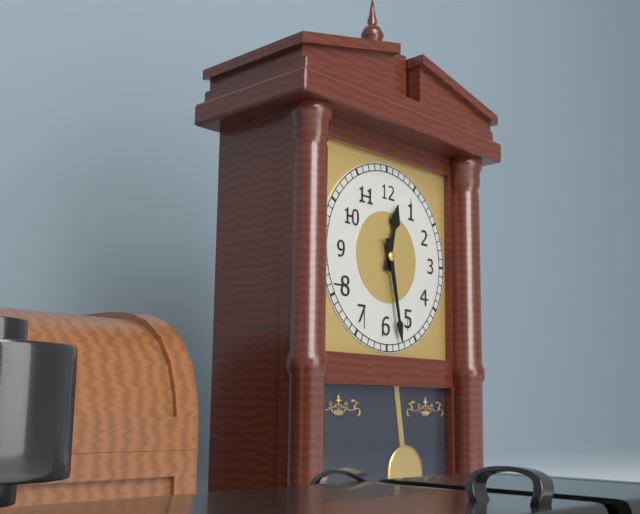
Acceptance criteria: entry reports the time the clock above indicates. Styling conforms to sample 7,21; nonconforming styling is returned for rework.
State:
12,28
